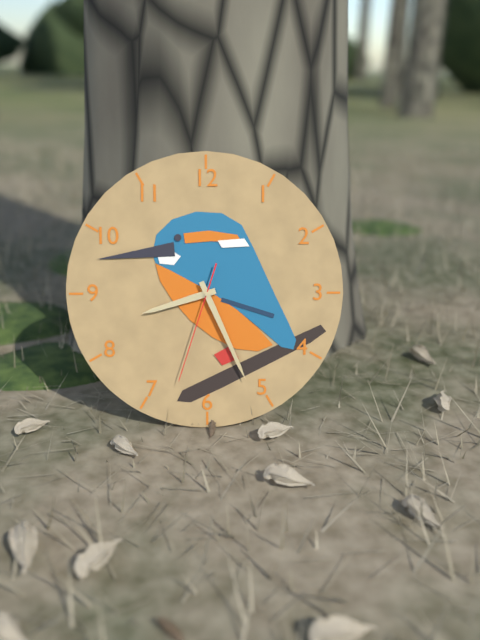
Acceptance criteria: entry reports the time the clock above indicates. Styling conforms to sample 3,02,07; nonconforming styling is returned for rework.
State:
8,26,33
